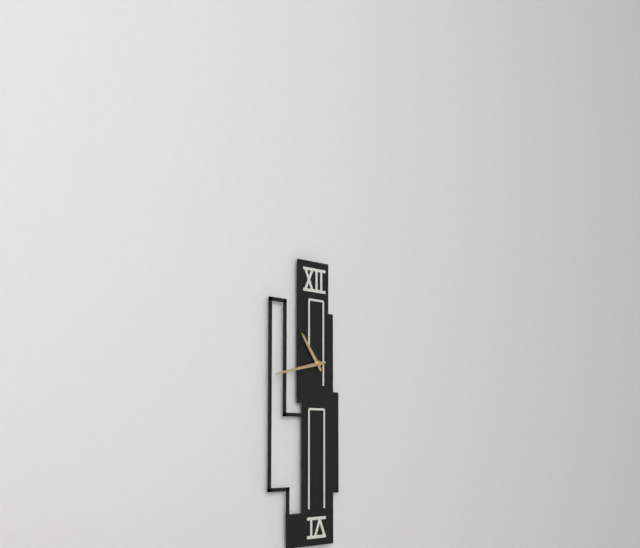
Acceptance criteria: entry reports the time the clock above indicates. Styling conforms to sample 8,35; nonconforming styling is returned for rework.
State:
10,43
